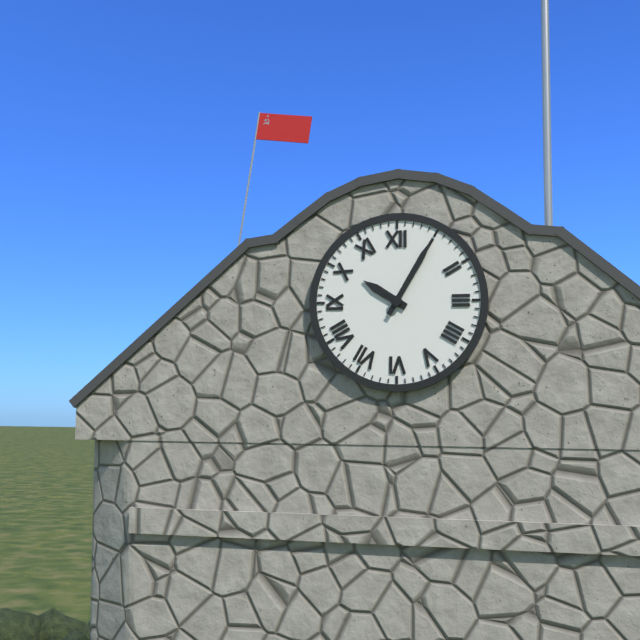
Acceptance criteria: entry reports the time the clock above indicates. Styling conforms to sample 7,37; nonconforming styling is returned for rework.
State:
10,05
